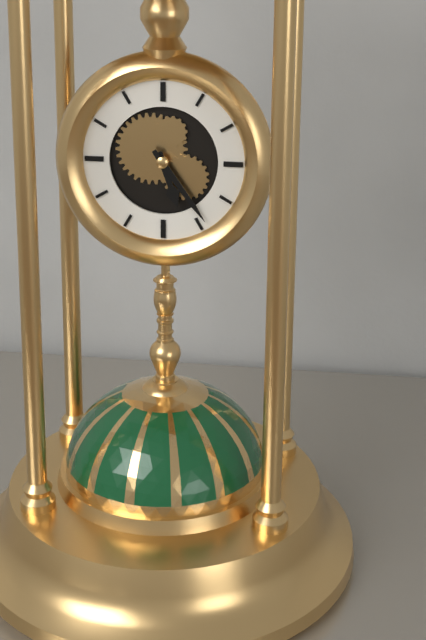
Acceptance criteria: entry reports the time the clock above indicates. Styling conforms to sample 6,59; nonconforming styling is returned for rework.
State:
5,24
